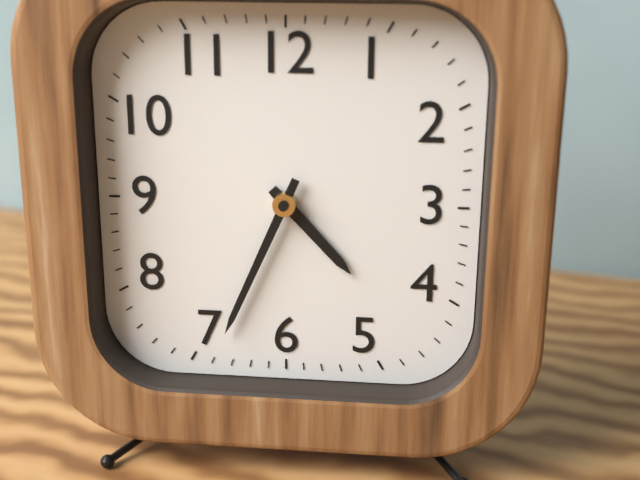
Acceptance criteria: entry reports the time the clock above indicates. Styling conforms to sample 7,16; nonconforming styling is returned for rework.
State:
4,34
